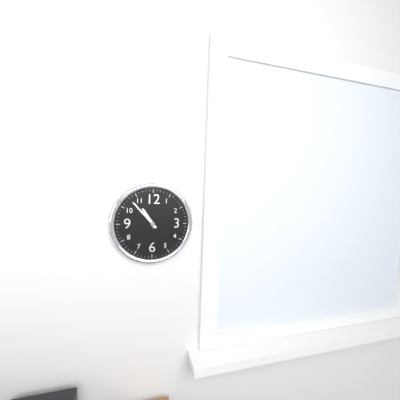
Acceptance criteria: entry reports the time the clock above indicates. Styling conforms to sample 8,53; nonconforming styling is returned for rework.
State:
10,53
